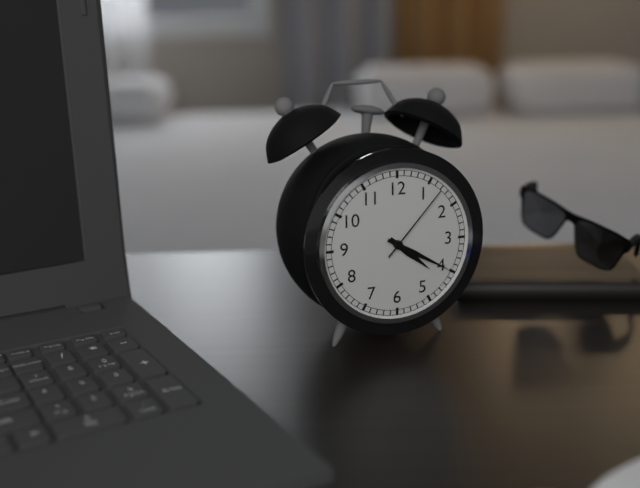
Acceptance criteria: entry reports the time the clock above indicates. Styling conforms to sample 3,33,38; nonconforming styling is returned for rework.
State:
4,20,07
